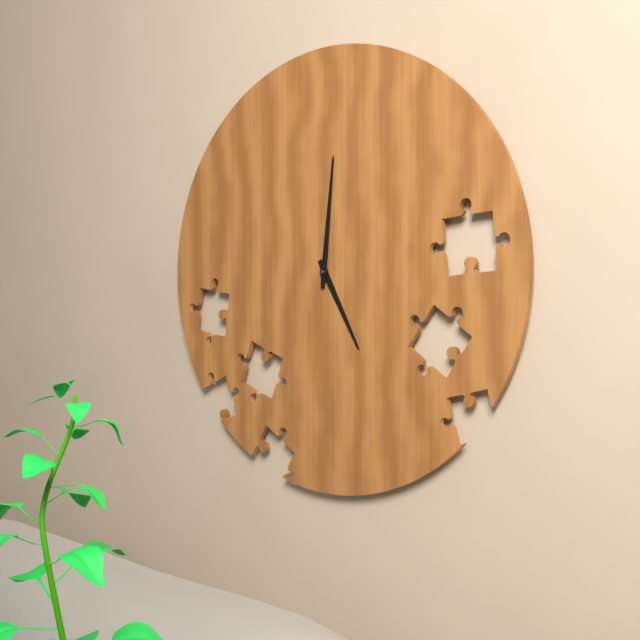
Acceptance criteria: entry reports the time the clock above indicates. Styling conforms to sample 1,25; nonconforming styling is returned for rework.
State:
5,01
